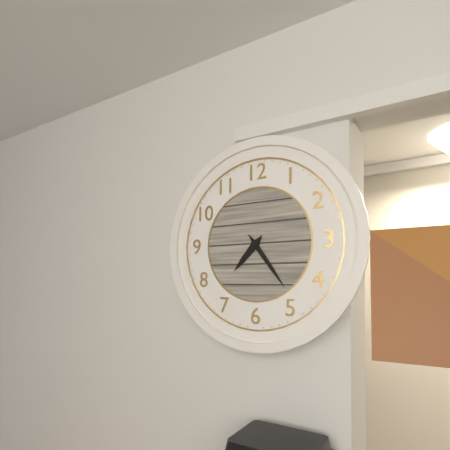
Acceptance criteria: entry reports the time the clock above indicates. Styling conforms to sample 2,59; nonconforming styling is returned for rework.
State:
7,24
